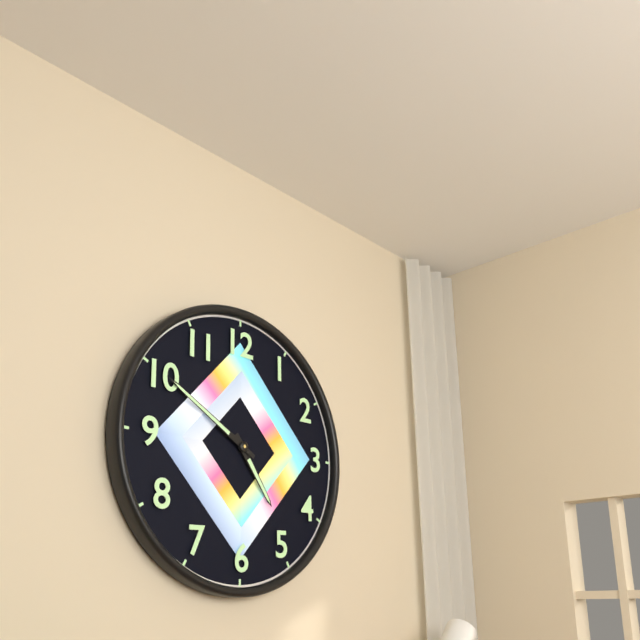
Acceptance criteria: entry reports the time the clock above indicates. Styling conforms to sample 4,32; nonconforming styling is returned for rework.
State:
4,50
